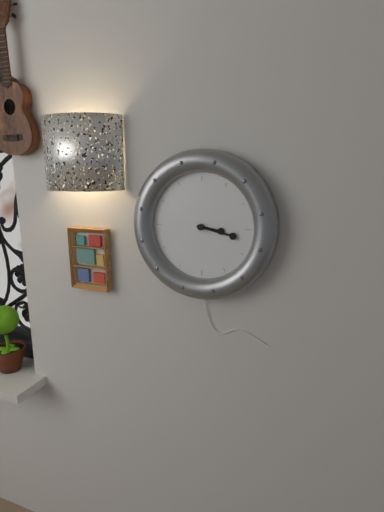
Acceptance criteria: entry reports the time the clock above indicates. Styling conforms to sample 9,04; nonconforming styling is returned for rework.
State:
3,17
